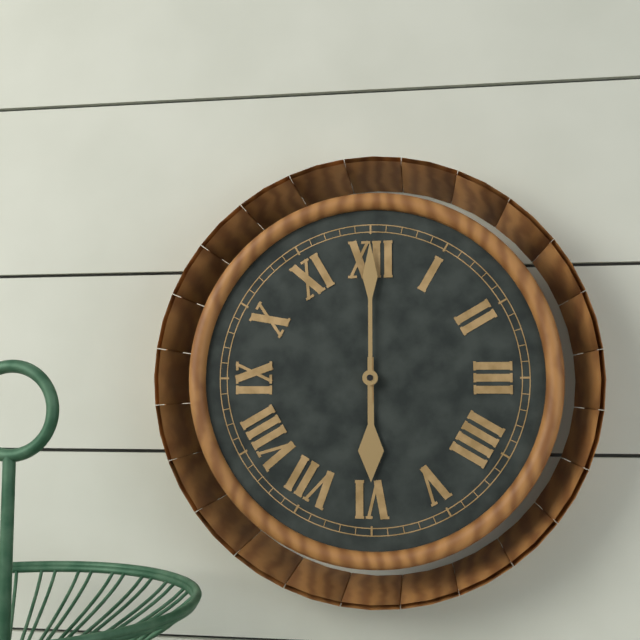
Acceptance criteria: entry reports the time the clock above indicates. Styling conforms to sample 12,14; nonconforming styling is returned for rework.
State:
6,00
